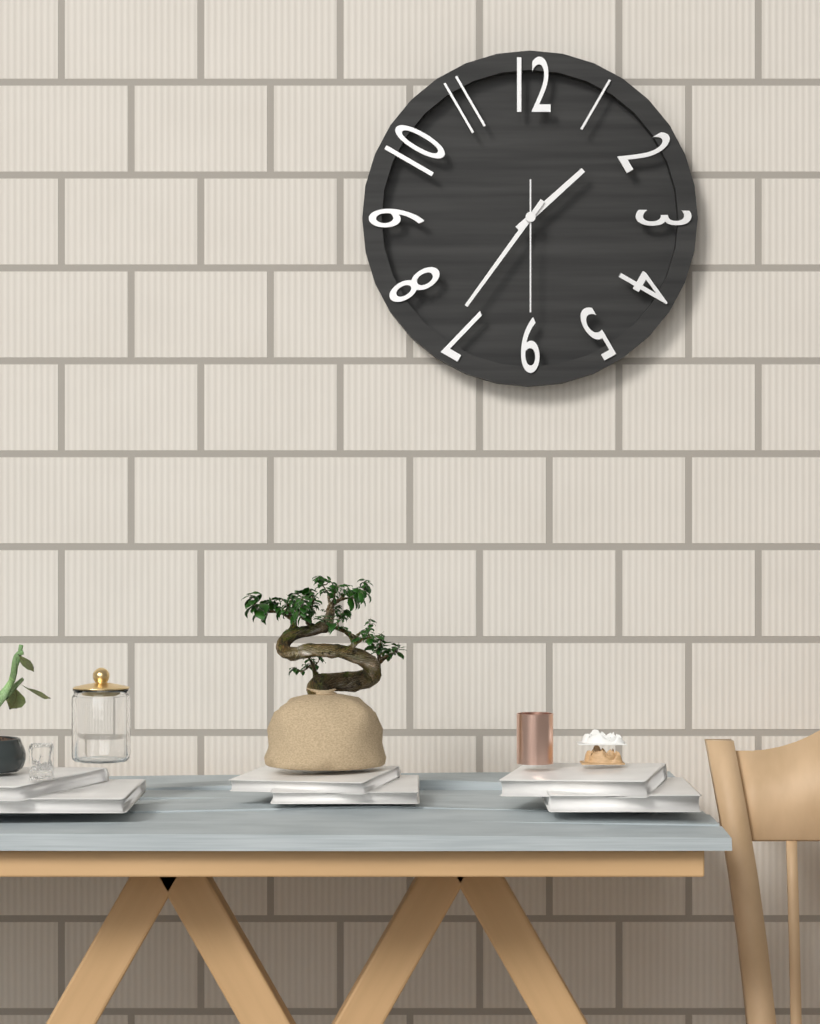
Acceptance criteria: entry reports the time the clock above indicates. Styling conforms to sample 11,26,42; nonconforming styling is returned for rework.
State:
1,36,30
